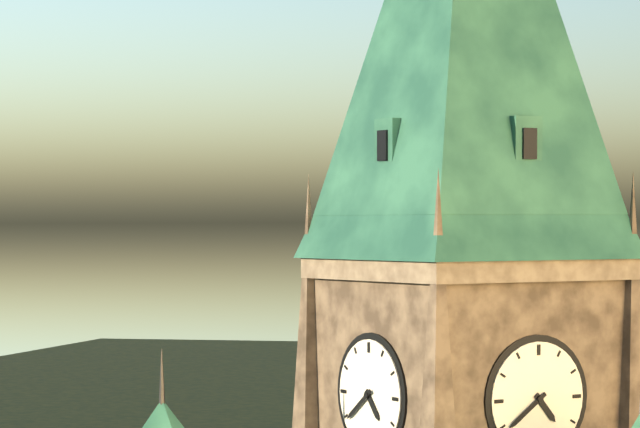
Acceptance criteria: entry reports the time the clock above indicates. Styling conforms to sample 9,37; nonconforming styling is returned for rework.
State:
4,39
